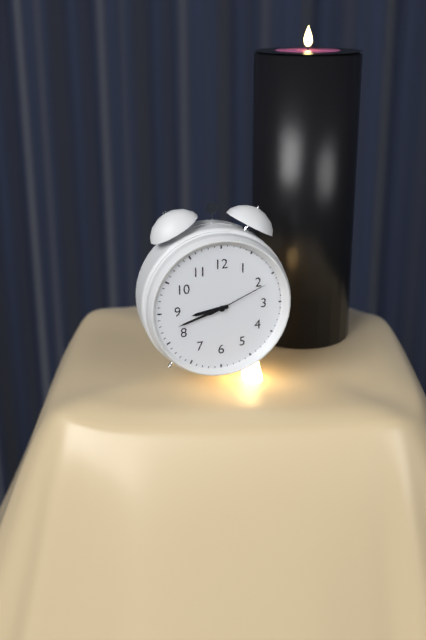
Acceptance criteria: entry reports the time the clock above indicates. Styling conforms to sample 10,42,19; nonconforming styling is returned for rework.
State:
8,42,11
